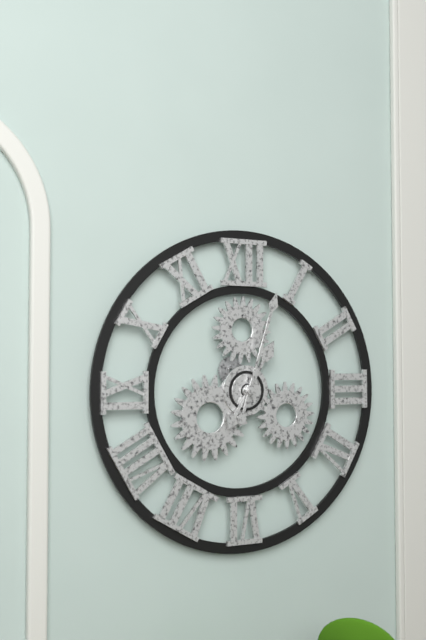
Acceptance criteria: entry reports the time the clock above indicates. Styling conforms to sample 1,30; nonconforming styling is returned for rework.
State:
1,03
